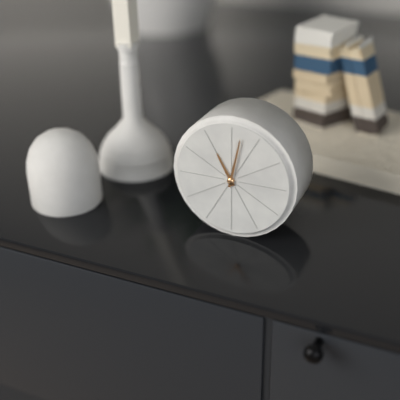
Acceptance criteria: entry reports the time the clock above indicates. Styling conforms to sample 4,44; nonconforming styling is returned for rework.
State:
11,02
